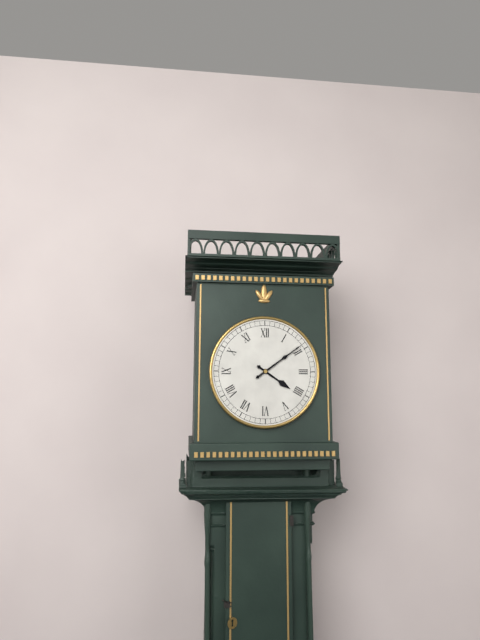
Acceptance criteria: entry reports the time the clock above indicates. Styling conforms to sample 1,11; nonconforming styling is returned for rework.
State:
4,09
